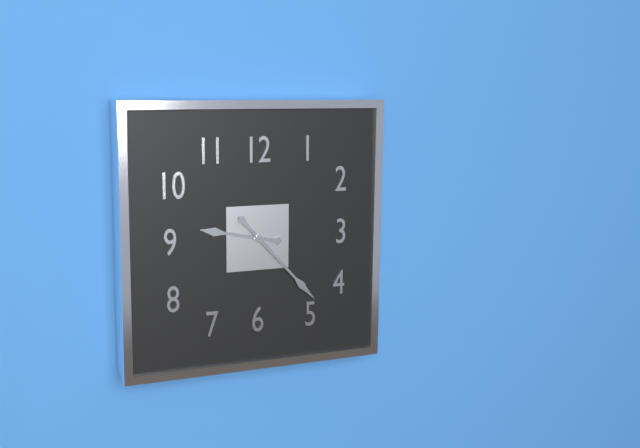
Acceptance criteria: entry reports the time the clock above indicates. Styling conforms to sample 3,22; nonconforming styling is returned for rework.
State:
9,23
